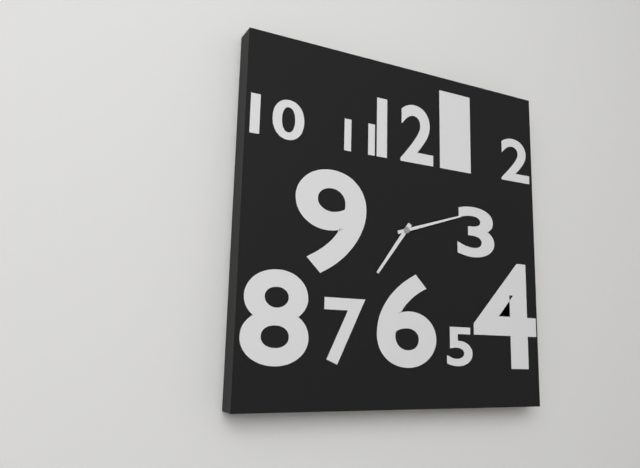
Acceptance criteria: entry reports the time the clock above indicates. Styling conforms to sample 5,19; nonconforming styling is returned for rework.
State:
7,12
